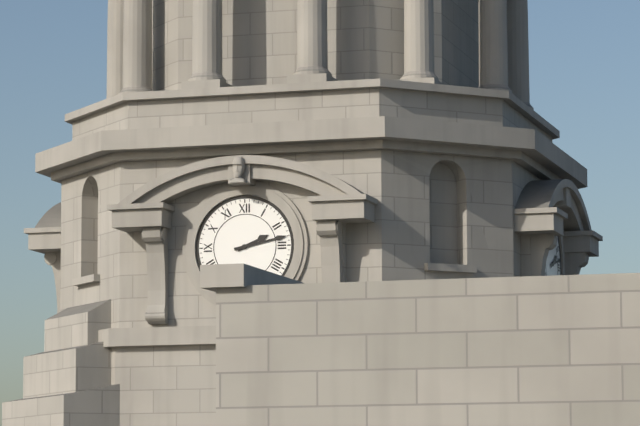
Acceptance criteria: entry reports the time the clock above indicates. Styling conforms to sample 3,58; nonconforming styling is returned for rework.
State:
2,13
